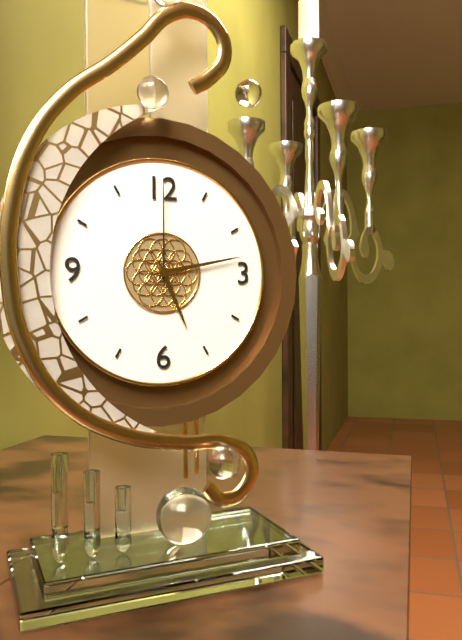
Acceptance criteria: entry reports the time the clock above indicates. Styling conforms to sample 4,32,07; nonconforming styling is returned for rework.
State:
5,13,00
